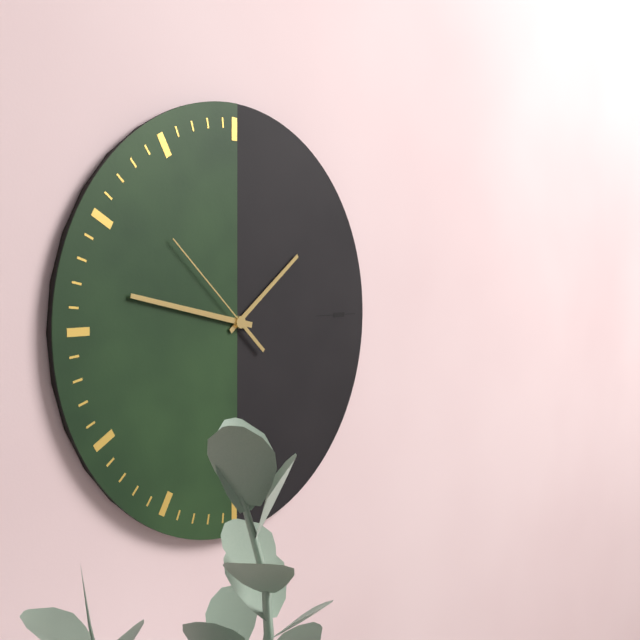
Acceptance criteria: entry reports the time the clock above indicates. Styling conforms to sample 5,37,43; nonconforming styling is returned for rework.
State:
1,47,52
